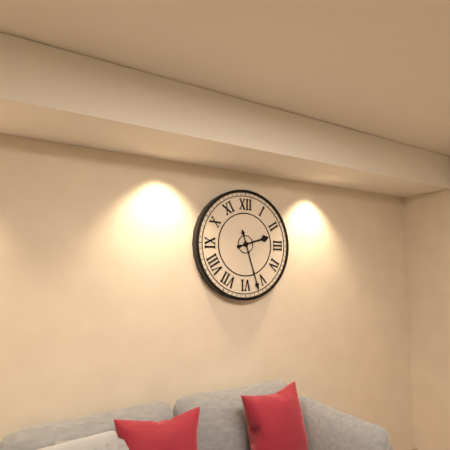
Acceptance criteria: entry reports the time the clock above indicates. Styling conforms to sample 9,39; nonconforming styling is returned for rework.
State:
2,27
